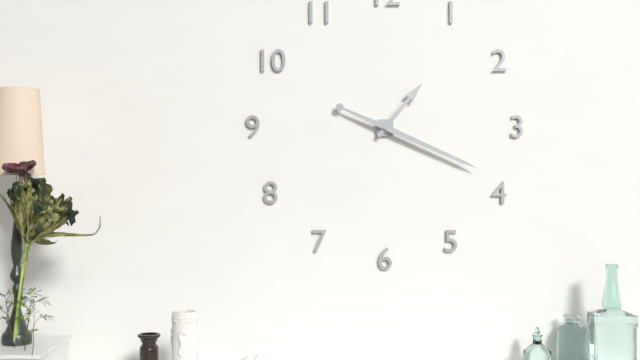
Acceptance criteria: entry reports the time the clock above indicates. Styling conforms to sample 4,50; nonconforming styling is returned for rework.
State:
1,19
